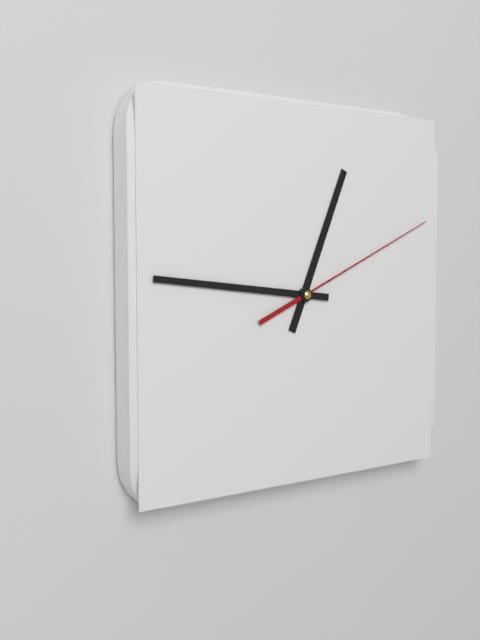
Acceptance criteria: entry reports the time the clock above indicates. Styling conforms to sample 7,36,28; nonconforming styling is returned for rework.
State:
12,46,11
